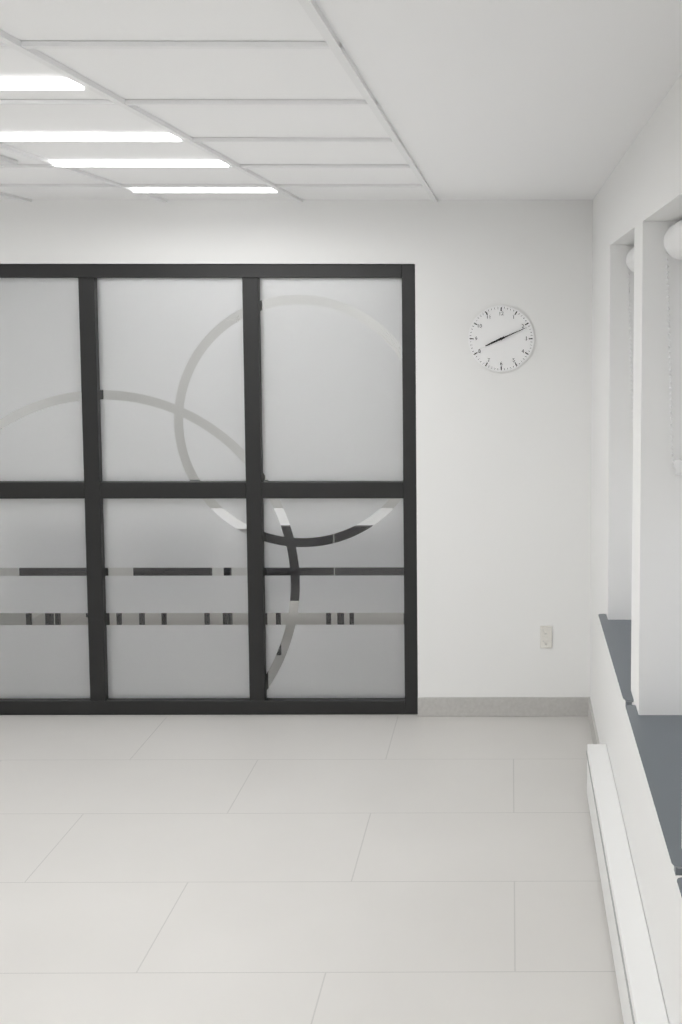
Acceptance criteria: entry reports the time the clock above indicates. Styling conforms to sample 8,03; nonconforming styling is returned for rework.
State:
8,11
